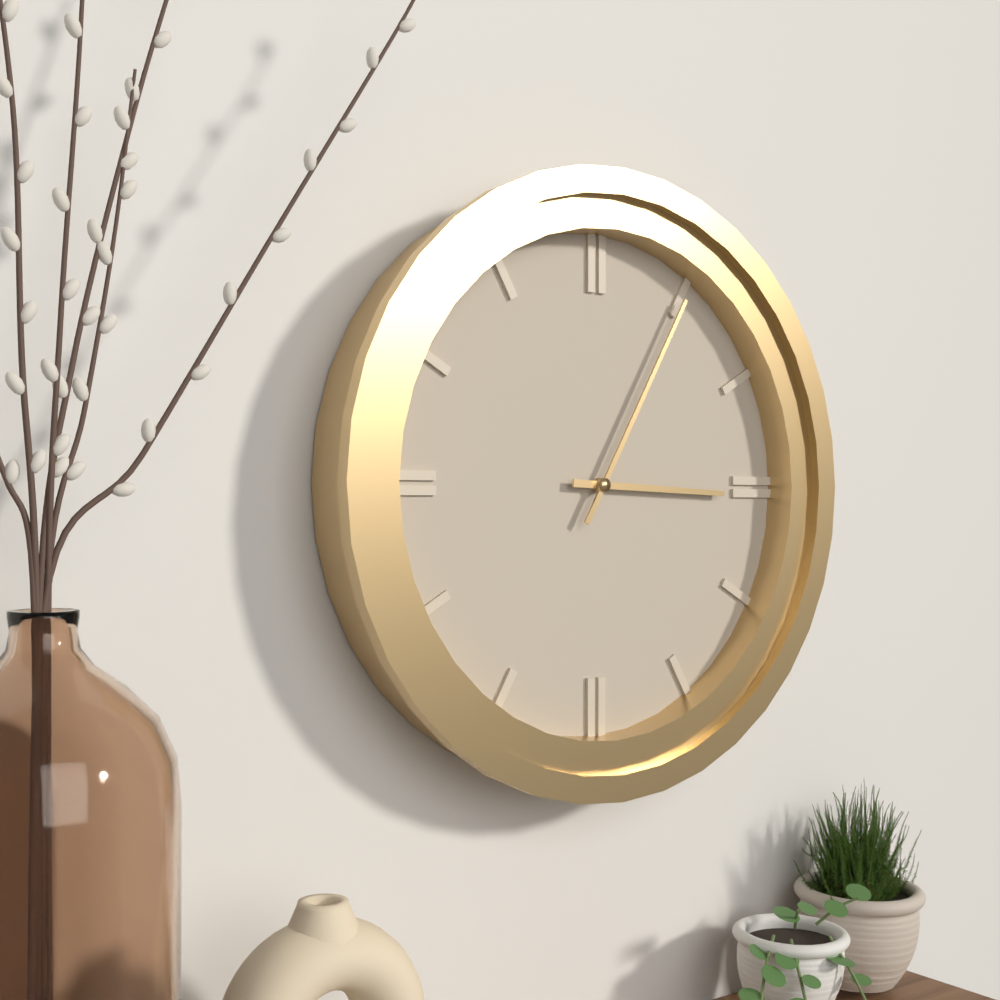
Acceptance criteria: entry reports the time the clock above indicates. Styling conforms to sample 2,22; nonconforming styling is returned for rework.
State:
3,05
